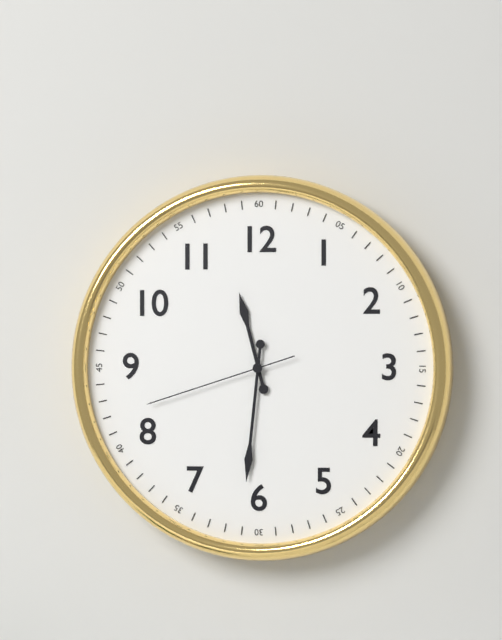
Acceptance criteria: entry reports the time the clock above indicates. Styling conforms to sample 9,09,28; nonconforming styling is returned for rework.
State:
11,31,42
